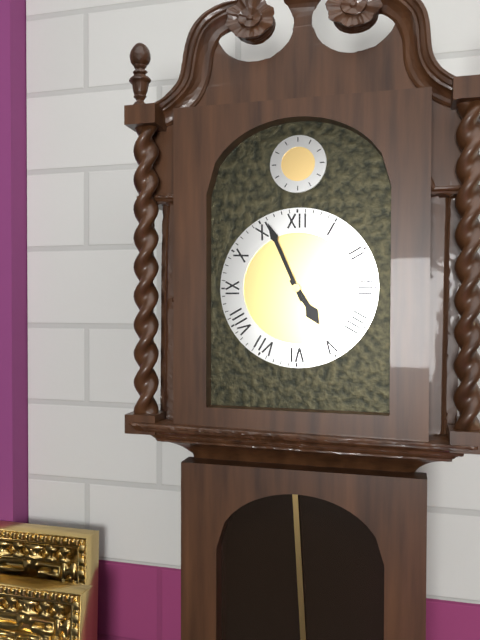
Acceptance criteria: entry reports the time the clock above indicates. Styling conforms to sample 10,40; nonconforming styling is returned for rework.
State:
4,56
